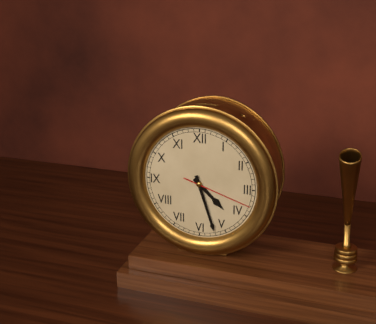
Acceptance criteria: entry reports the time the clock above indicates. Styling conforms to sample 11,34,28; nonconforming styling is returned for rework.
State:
4,27,18
